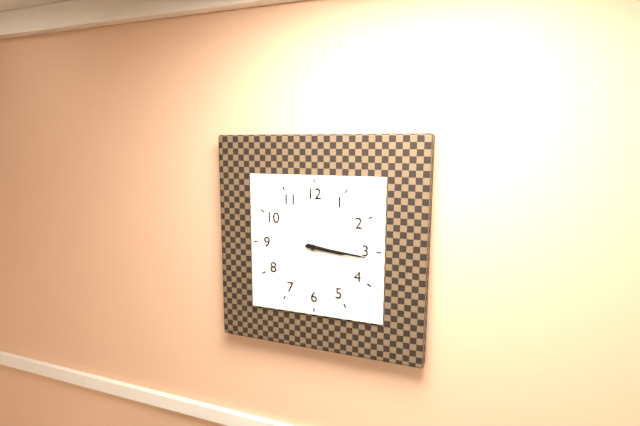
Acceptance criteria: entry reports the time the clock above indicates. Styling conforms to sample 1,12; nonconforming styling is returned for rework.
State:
3,16
